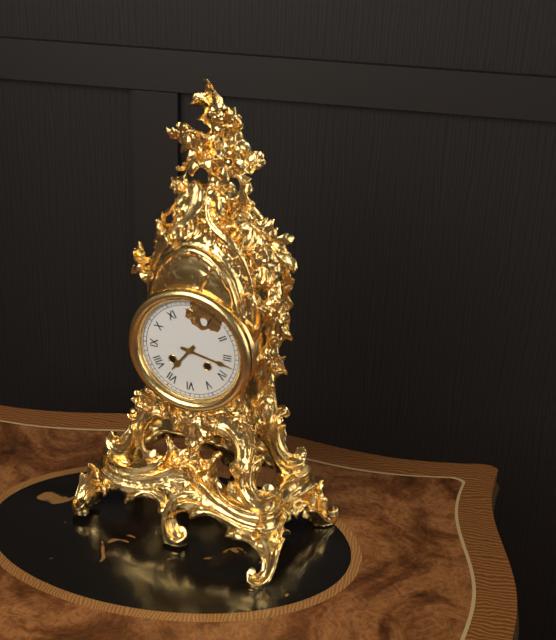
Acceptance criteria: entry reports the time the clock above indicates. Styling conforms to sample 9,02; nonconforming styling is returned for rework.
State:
7,17
